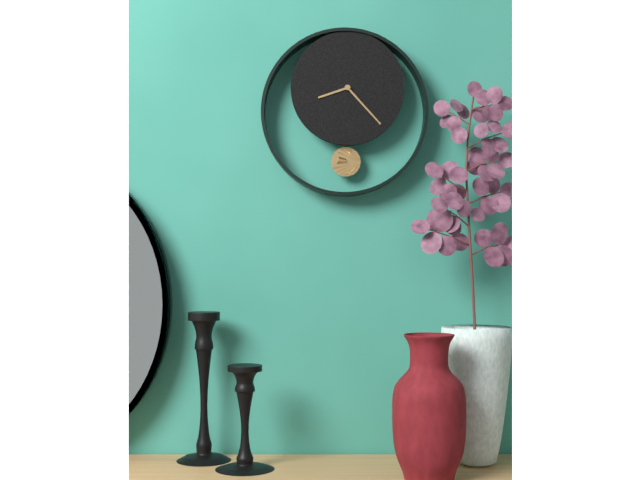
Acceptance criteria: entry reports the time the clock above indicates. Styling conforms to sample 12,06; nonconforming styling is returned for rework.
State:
8,23
